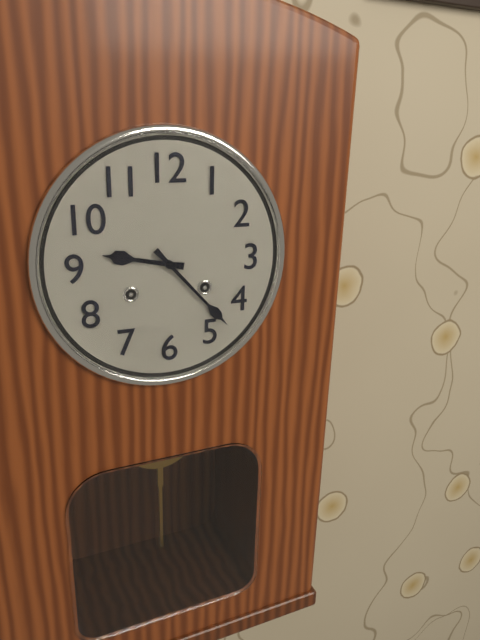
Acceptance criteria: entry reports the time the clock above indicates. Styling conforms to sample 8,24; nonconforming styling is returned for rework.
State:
9,23
